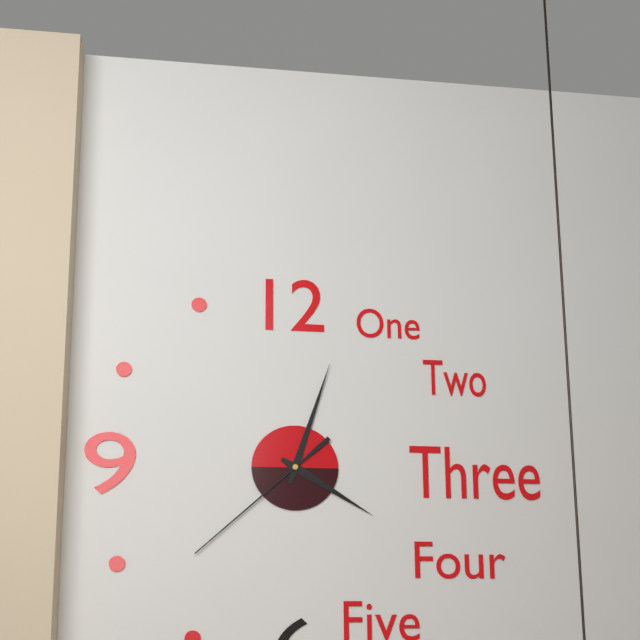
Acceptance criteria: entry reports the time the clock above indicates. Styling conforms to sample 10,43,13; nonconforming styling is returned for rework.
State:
4,03,38
